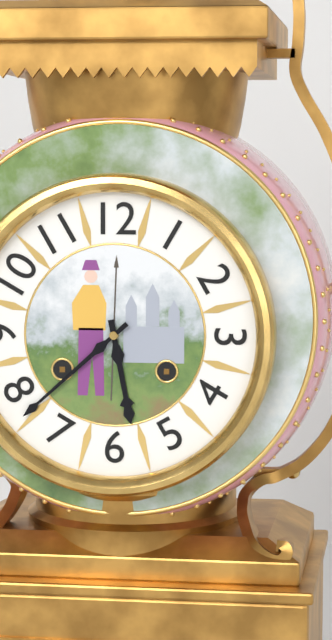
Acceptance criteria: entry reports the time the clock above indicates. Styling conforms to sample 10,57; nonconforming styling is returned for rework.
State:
5,38
